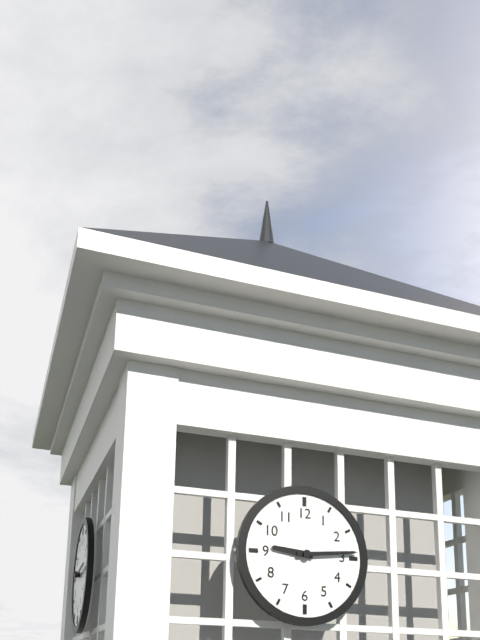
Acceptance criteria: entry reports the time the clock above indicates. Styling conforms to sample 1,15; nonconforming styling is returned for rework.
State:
9,14
